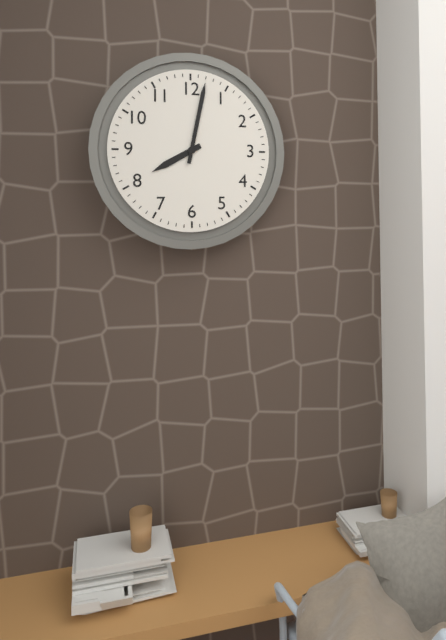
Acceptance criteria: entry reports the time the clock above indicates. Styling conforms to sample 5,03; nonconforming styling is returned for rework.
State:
8,02
